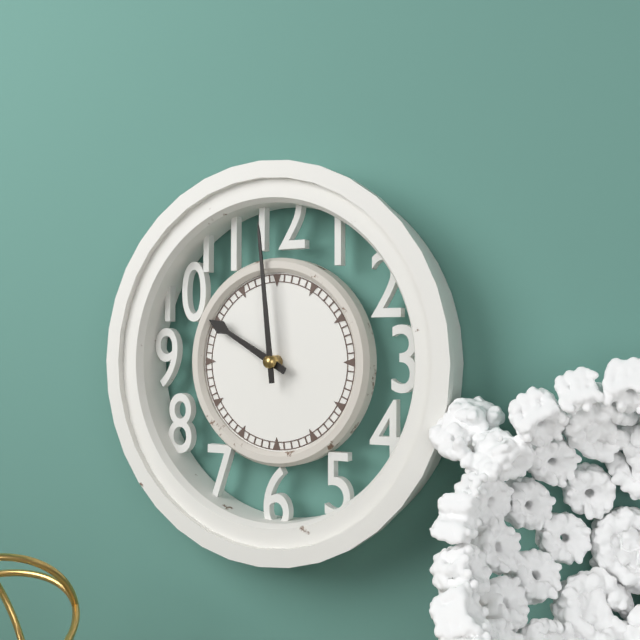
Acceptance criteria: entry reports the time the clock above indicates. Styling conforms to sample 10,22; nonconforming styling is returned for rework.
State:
9,59
